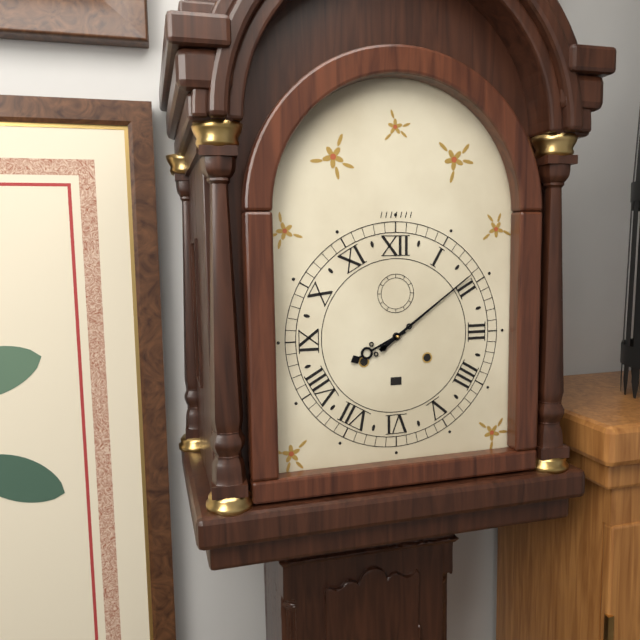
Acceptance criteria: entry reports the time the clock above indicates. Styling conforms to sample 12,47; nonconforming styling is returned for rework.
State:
8,09
